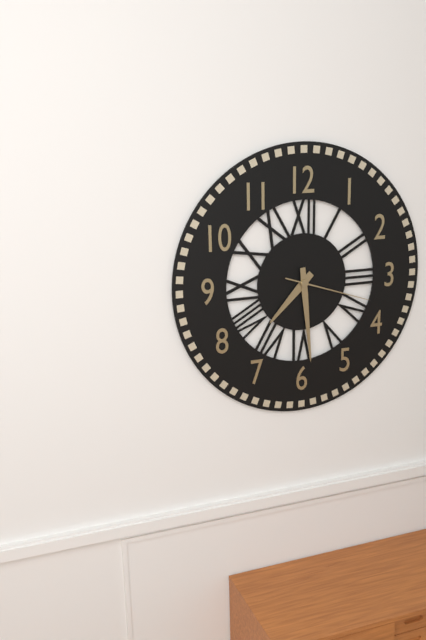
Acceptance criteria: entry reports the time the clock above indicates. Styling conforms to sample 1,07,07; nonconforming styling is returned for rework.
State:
7,29,18
